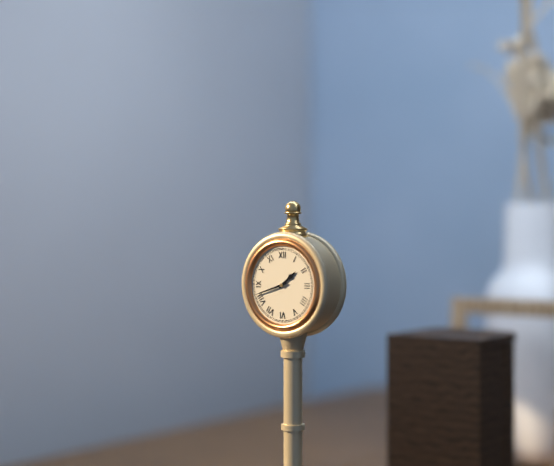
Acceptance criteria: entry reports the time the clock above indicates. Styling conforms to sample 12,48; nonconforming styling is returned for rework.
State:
1,42
